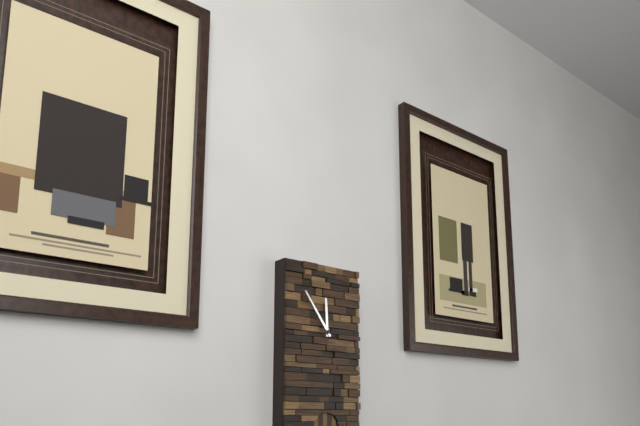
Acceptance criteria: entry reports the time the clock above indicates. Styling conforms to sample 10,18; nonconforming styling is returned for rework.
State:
11,54
